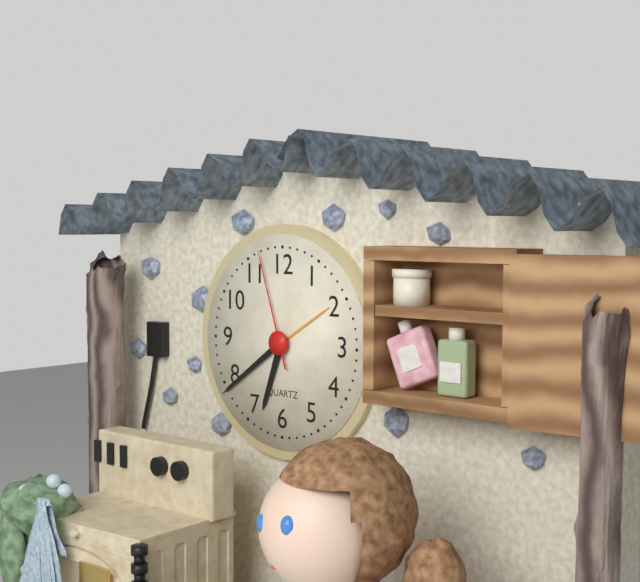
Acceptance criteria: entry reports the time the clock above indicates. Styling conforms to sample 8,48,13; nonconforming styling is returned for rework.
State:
6,39,57
